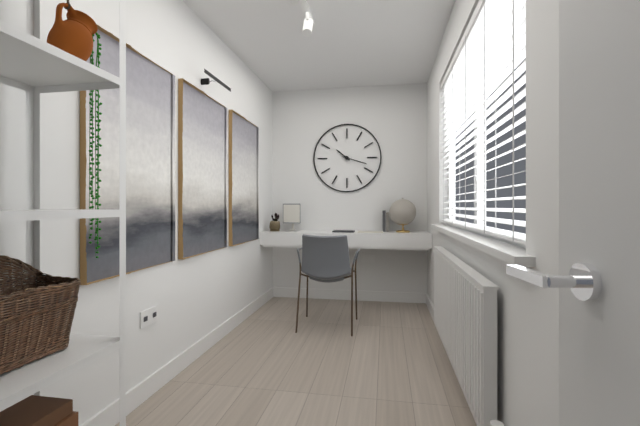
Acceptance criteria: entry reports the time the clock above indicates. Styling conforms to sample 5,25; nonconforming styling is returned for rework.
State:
10,18
